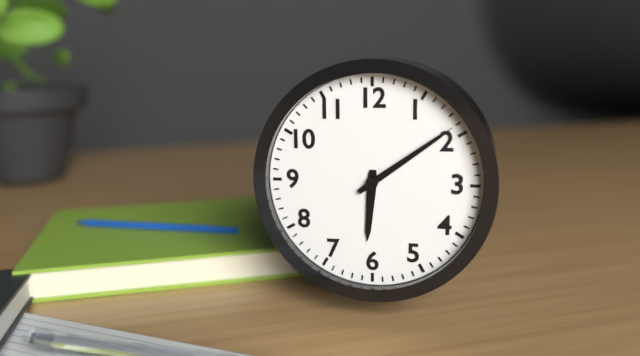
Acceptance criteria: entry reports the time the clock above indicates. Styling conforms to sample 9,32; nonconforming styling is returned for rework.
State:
6,09
